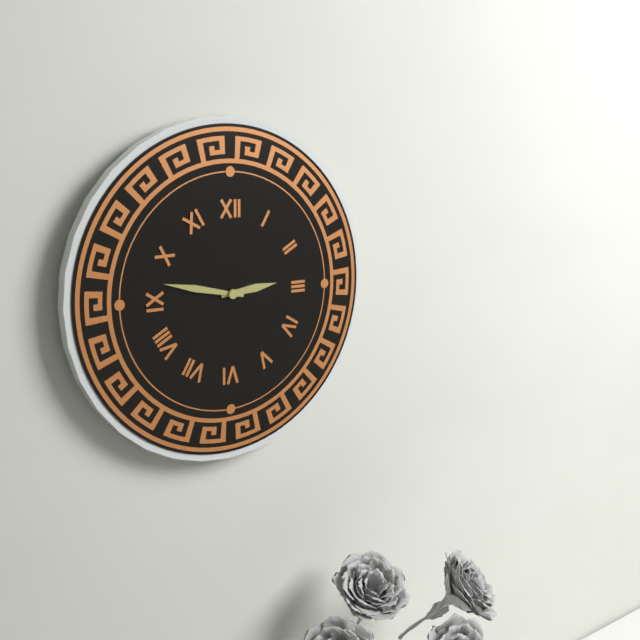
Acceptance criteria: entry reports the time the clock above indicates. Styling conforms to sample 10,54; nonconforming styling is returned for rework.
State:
2,47
